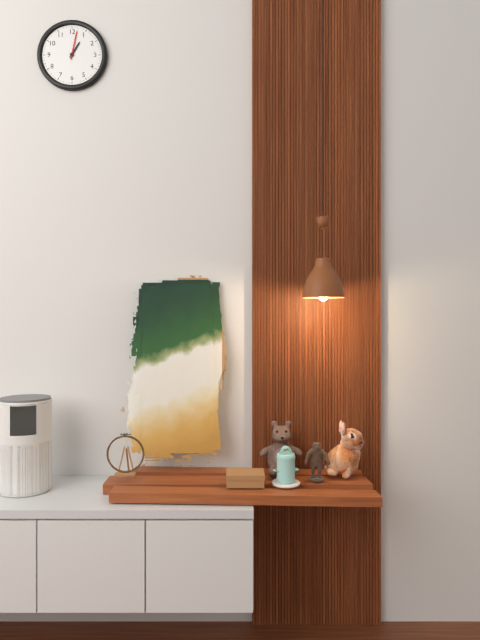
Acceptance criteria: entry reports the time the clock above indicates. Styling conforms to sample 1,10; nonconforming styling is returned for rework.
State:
1,02
